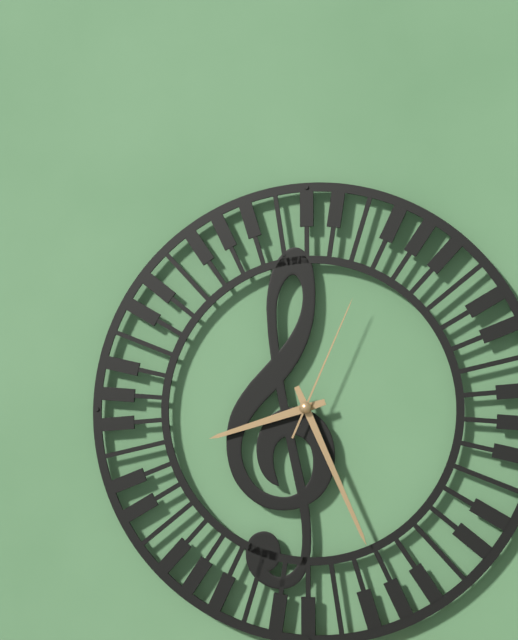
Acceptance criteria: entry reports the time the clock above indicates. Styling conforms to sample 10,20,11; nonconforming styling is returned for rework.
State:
8,26,04
